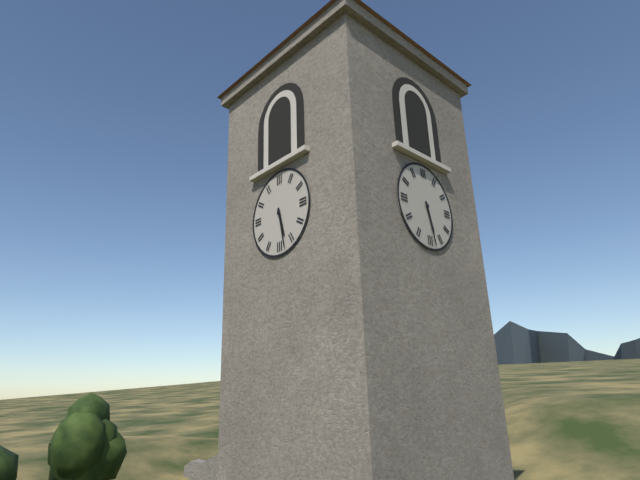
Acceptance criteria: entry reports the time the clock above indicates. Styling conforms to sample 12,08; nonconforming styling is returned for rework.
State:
5,28
